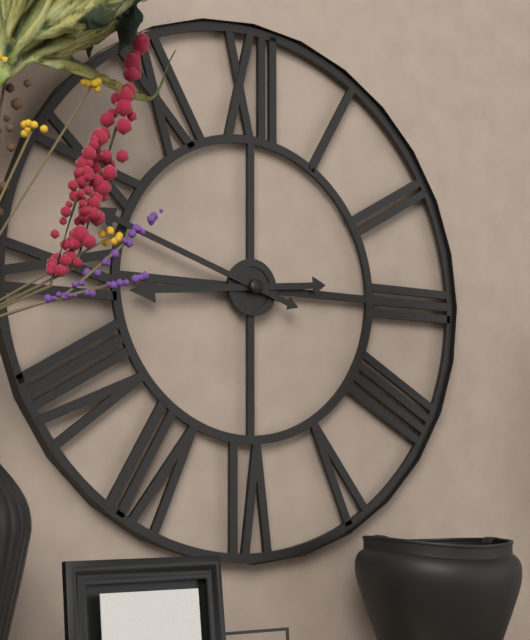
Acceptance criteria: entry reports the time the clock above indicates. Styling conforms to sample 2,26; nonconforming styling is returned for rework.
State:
8,48
